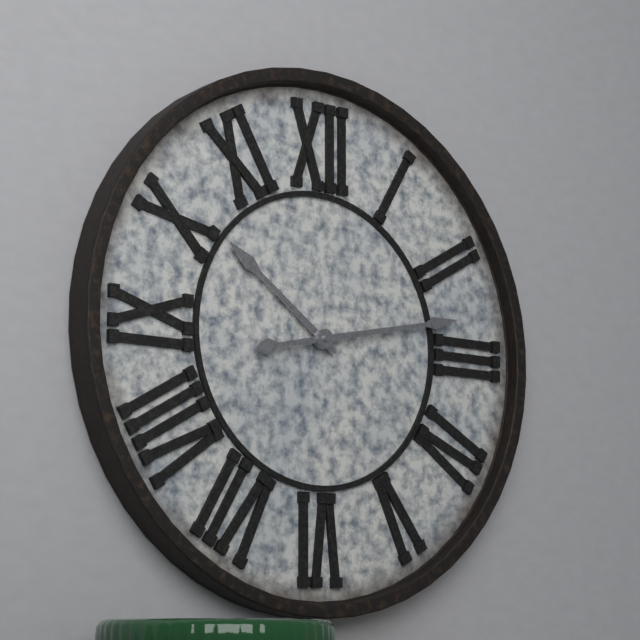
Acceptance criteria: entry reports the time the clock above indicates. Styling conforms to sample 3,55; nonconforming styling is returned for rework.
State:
10,13
